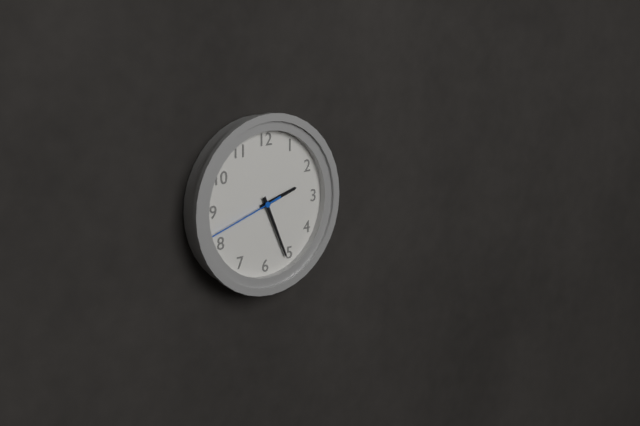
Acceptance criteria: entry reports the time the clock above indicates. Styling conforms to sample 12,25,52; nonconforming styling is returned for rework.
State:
2,26,42
